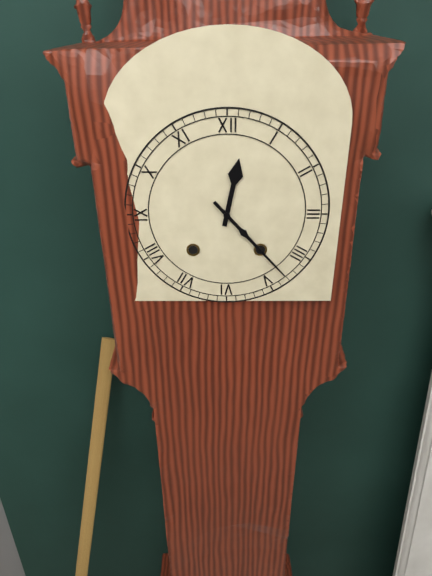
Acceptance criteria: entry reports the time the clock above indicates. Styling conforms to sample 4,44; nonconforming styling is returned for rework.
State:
12,23
